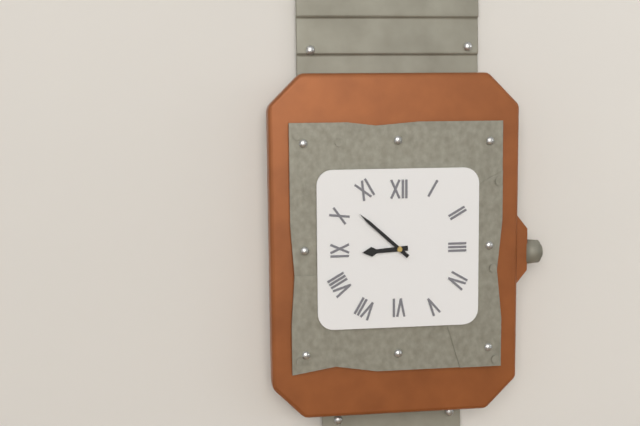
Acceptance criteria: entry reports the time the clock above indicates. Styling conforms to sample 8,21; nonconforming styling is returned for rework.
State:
8,52
